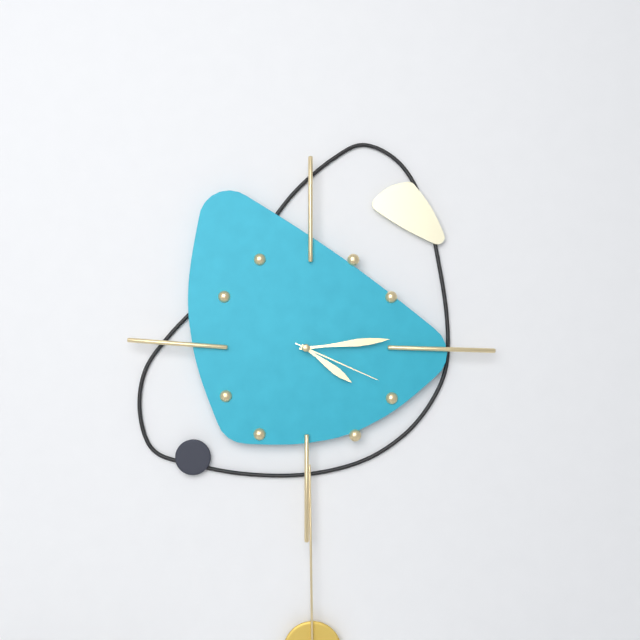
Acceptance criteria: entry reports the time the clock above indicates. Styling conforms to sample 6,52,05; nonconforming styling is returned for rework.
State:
4,14,19
